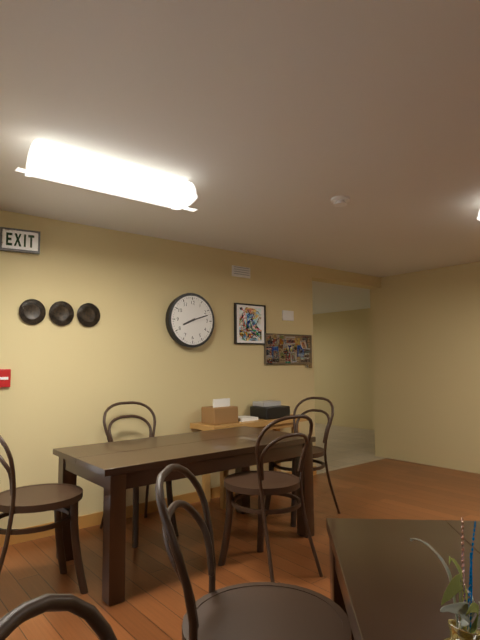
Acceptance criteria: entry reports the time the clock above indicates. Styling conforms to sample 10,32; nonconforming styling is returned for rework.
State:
8,12
